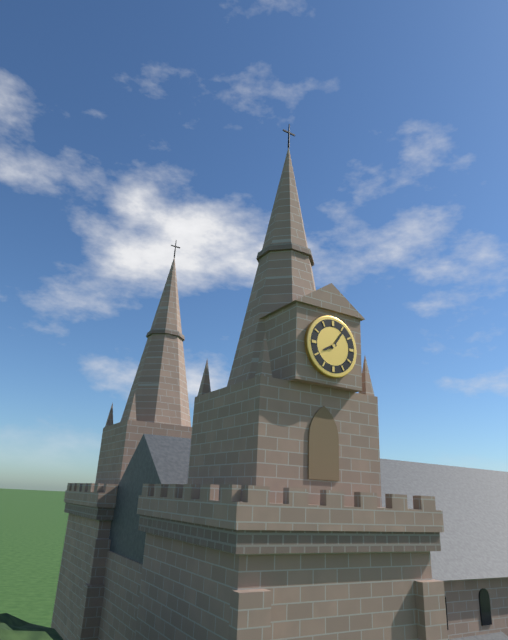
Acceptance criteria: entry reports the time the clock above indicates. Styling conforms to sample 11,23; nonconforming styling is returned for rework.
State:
8,06
